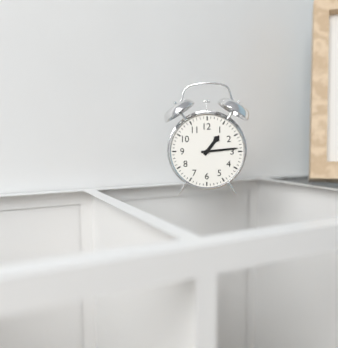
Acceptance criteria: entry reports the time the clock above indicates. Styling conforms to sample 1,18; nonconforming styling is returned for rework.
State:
1,14
